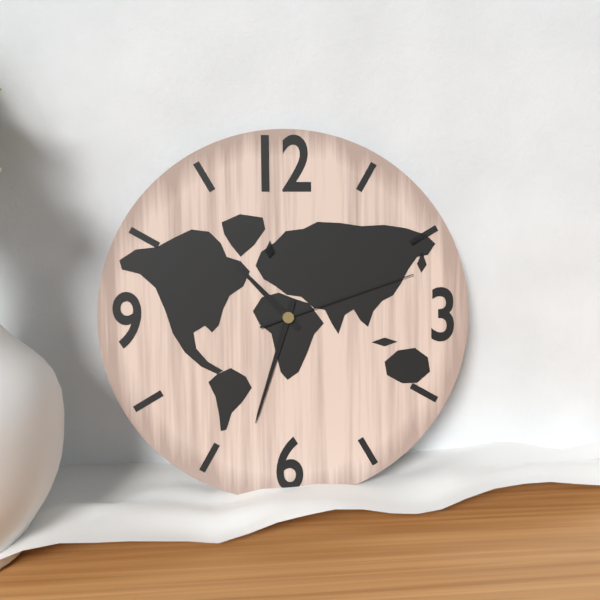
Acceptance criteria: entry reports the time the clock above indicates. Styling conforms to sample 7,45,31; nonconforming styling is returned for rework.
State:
10,33,12
